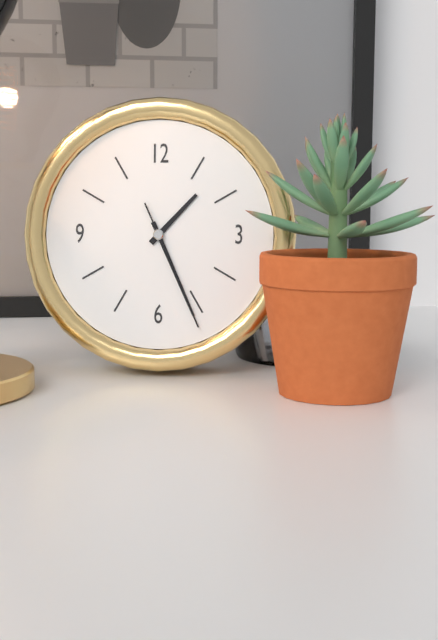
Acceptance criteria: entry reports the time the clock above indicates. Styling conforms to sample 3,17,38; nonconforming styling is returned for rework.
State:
1,26,26
